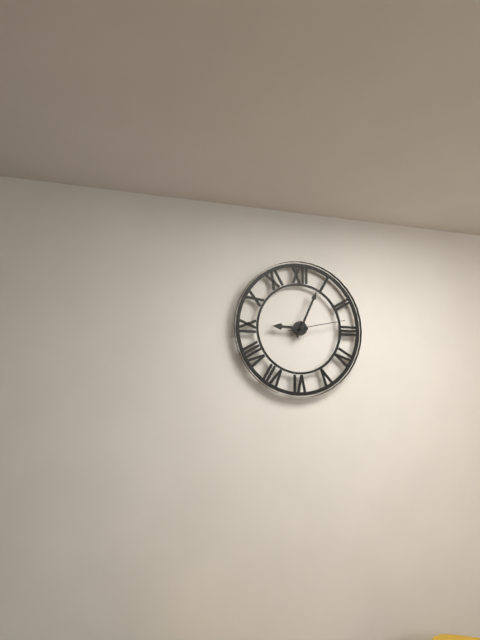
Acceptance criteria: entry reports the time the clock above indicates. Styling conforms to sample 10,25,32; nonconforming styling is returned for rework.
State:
9,04,13
